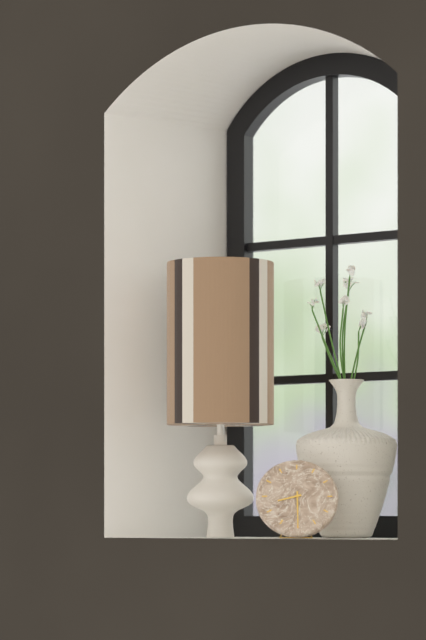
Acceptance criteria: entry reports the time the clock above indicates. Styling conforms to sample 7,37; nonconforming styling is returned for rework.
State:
8,30
